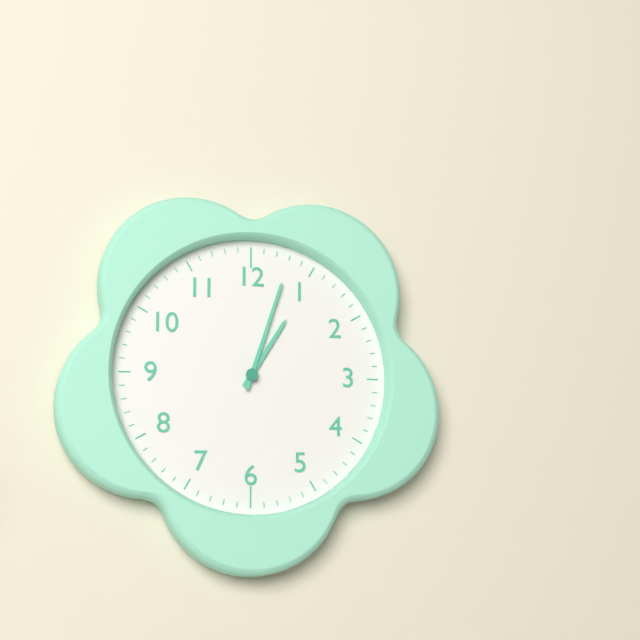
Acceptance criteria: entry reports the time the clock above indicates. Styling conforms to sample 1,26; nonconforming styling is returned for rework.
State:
1,03
